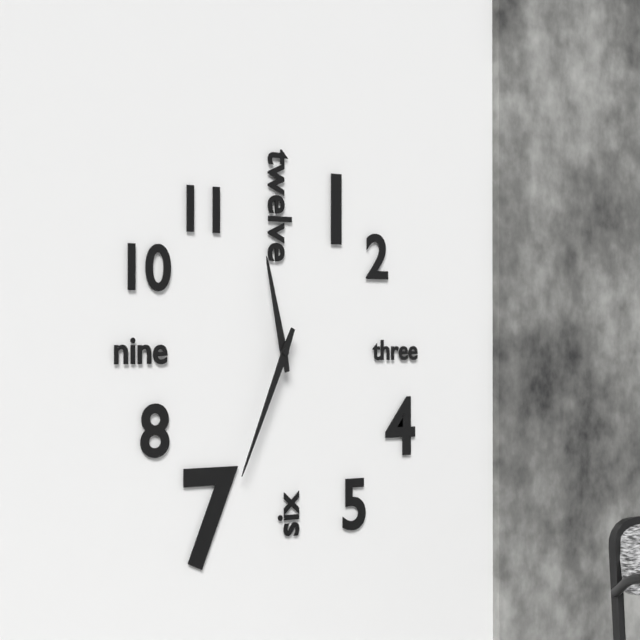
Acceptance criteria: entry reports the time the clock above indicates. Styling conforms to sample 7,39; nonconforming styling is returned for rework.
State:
11,34
